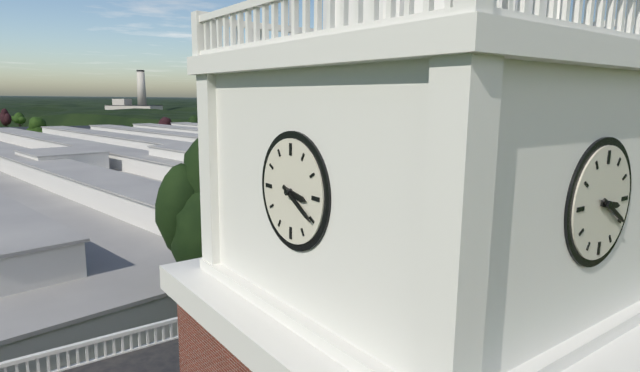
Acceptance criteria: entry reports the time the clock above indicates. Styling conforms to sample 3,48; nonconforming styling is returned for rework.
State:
3,20
